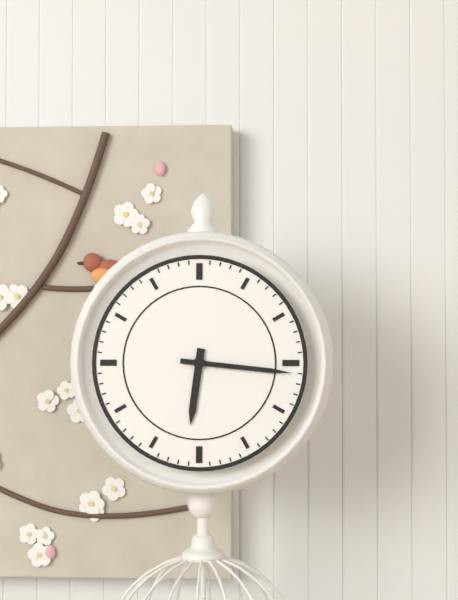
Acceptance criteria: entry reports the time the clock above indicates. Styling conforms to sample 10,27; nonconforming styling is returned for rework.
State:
6,16
